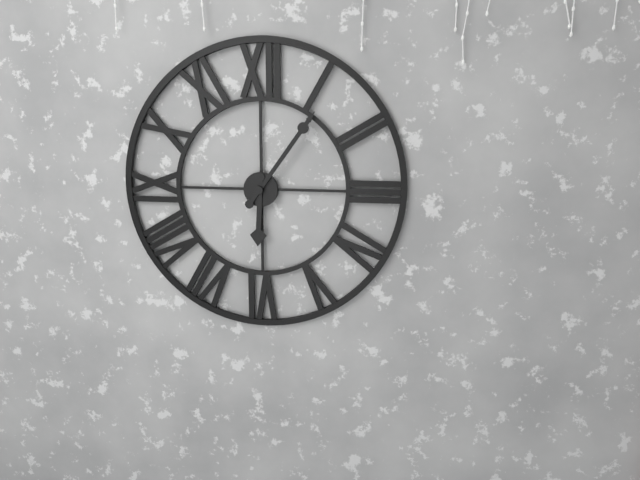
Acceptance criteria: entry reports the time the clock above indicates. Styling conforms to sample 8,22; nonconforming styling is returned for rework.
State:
6,06
